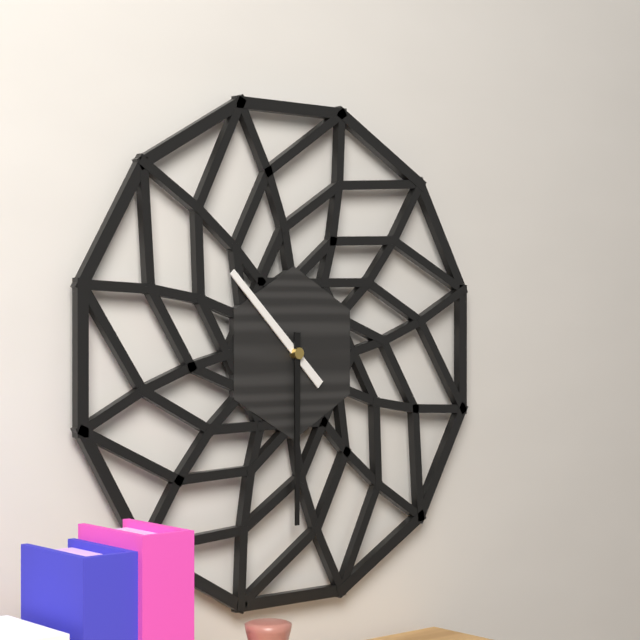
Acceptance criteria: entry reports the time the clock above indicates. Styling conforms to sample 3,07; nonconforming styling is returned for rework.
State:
10,30
